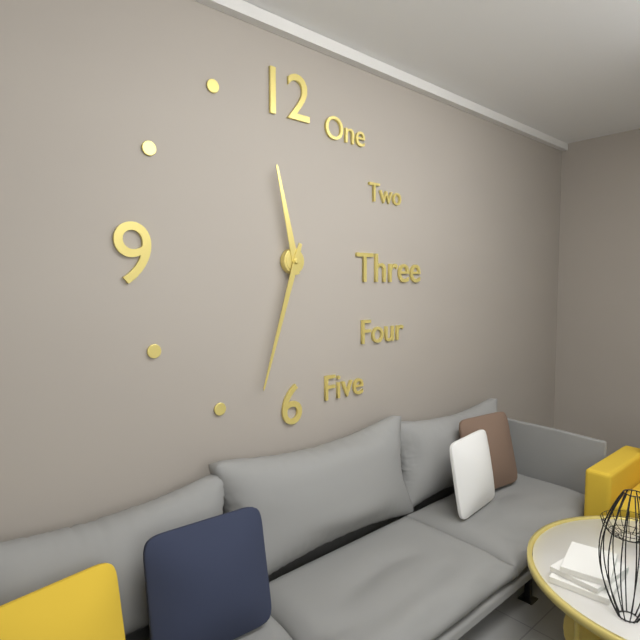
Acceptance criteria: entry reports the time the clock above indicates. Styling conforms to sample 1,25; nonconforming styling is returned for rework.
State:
11,33
